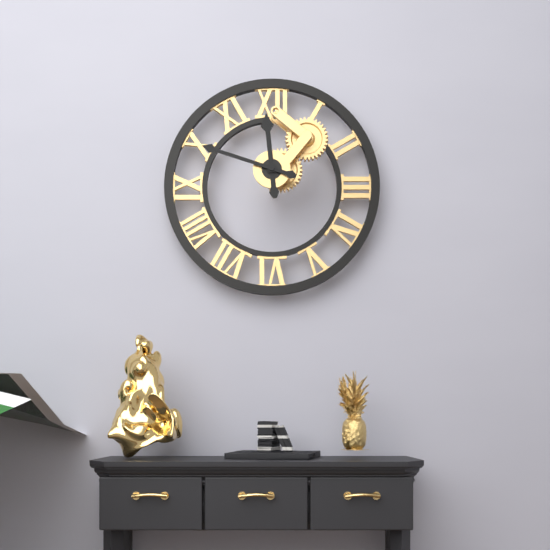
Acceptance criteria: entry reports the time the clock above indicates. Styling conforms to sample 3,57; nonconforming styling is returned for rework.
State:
11,48
